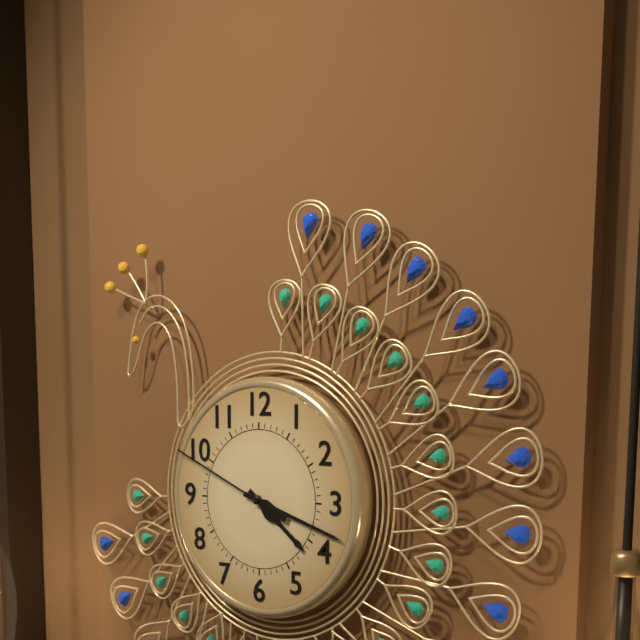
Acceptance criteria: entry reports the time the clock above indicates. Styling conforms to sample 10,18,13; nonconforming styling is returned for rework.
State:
4,18,49
